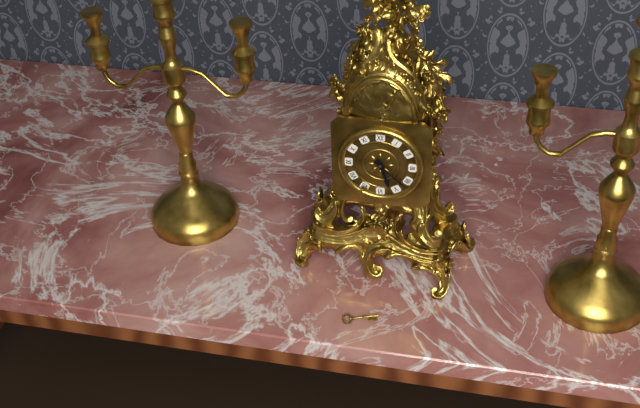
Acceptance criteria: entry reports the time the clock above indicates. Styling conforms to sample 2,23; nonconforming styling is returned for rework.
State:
5,22
